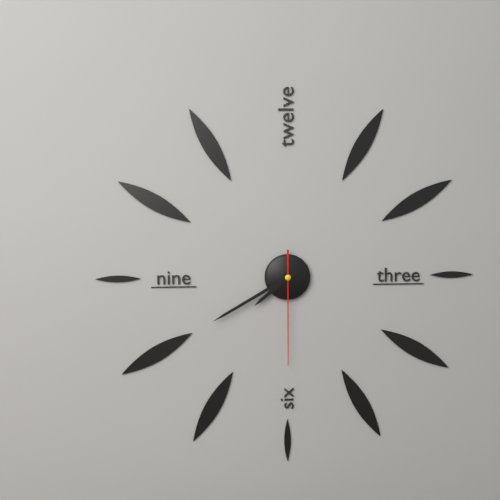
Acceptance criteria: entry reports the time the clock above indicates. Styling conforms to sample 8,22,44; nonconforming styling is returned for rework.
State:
7,40,30
